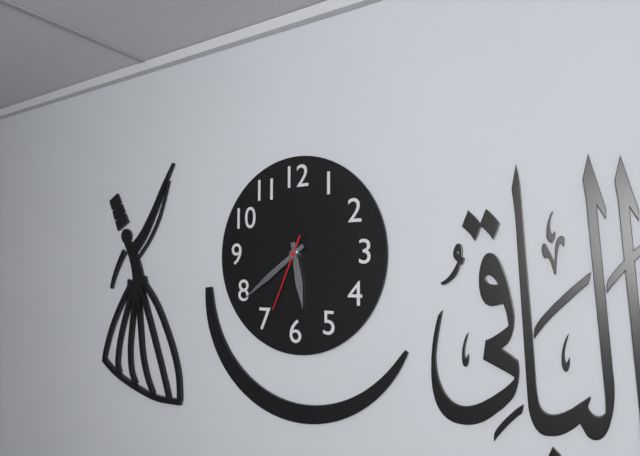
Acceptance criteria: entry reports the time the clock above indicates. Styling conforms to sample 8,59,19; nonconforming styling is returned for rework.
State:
5,39,34
